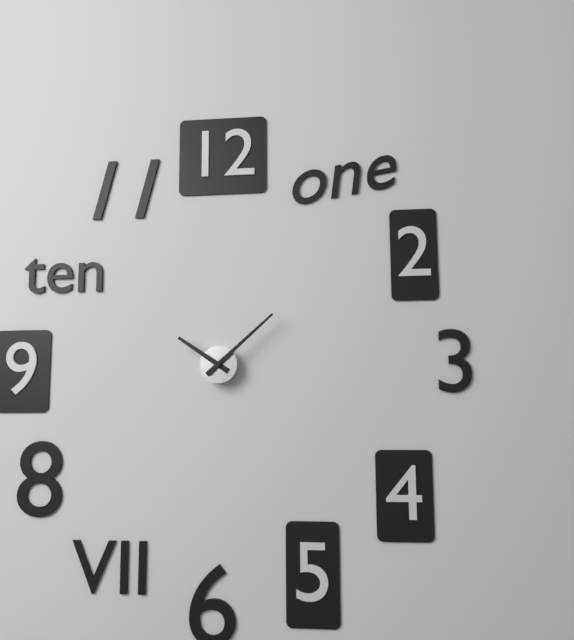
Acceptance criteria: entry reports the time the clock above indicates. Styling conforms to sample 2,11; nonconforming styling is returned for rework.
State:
10,08
